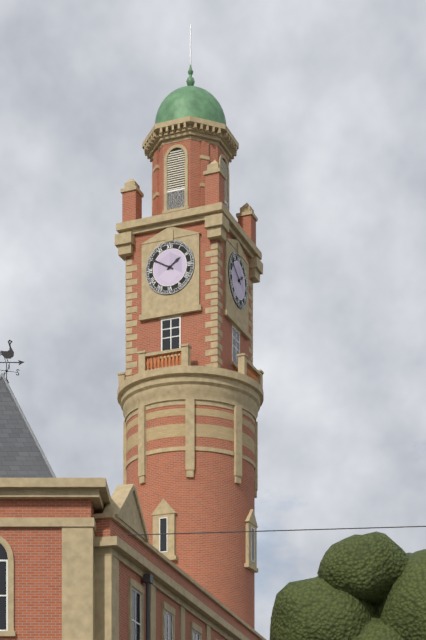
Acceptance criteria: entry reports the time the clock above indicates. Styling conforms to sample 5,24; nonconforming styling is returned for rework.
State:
1,50
